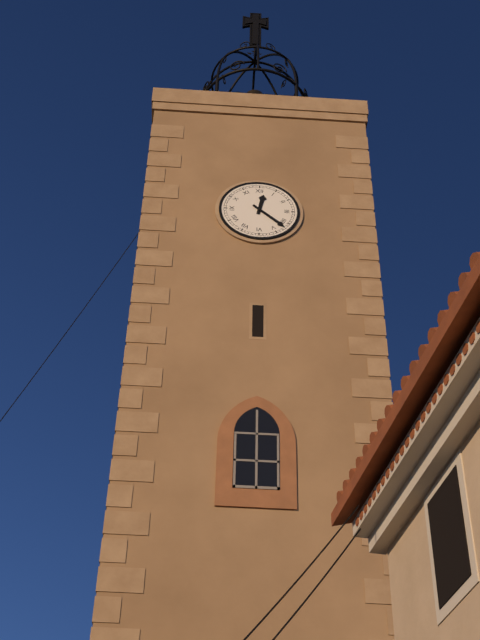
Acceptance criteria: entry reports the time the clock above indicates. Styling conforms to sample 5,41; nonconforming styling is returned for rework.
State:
12,22
